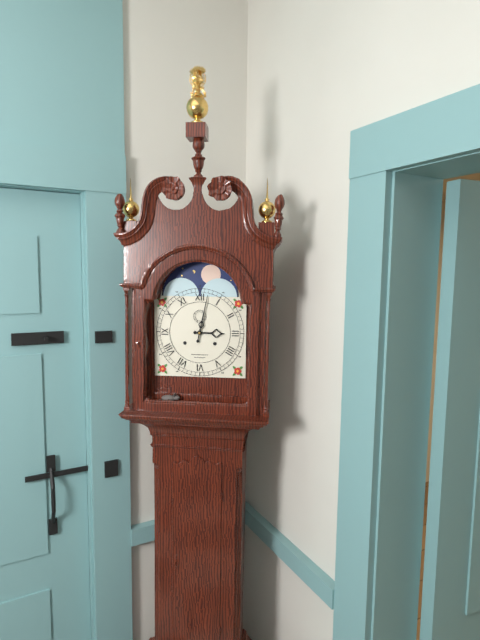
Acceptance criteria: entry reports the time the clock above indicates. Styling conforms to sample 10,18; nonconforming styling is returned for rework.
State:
3,02
